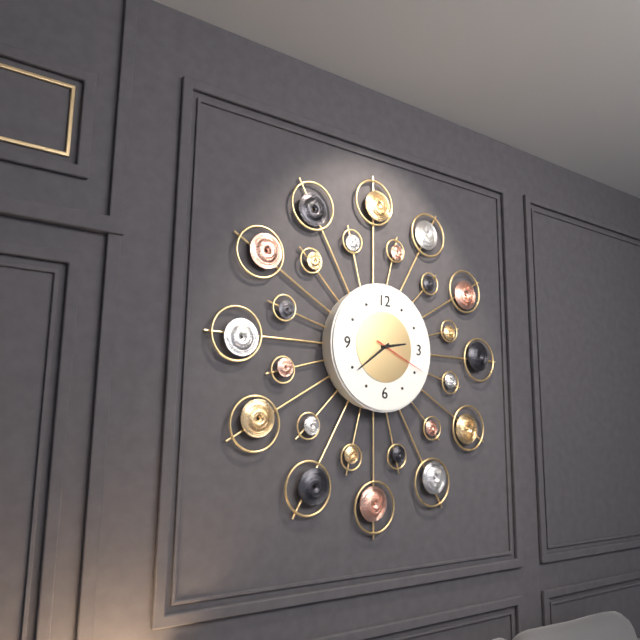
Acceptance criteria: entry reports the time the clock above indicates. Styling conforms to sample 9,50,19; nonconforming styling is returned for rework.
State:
2,39,19
